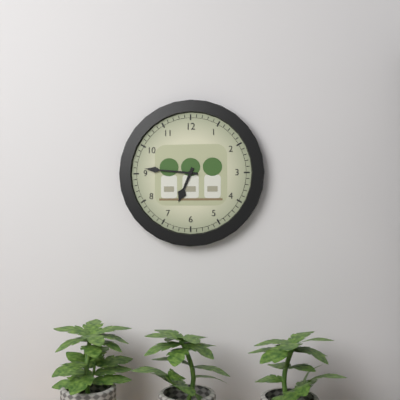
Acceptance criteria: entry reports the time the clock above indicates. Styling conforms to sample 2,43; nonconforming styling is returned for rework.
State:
6,46
